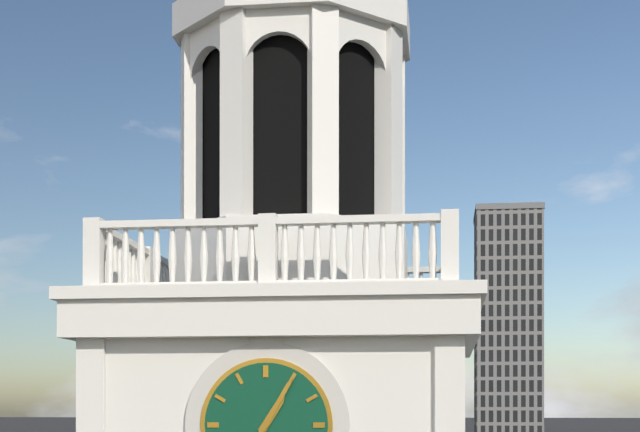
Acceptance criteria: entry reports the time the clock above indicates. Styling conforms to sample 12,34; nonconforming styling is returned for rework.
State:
1,05
